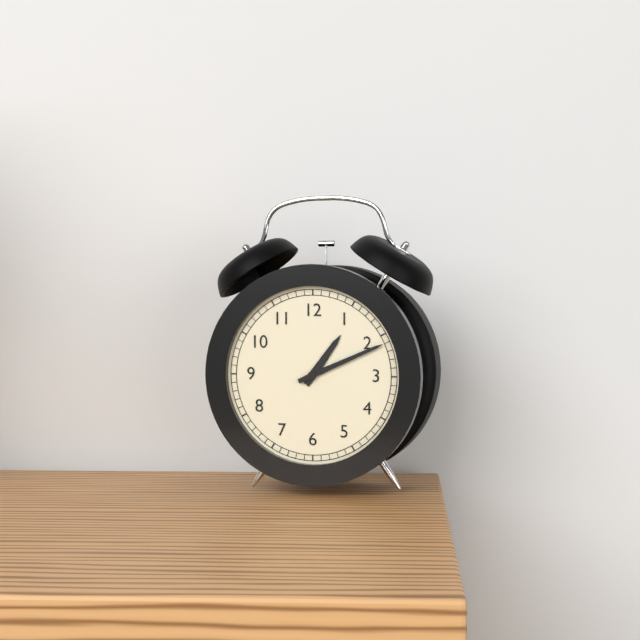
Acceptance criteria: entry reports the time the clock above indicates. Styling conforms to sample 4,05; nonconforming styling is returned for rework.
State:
1,11
